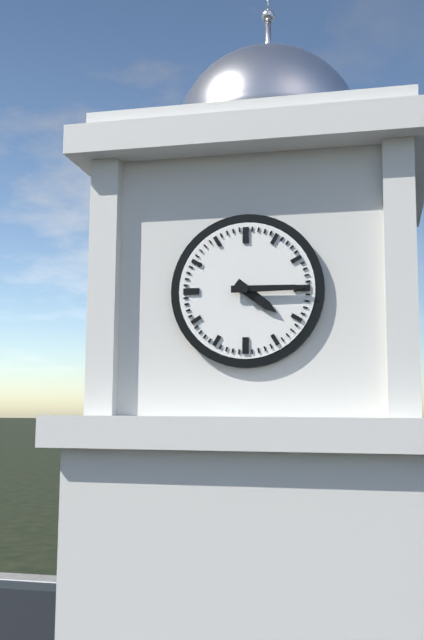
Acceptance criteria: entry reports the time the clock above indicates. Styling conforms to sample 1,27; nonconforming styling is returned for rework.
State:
4,15
